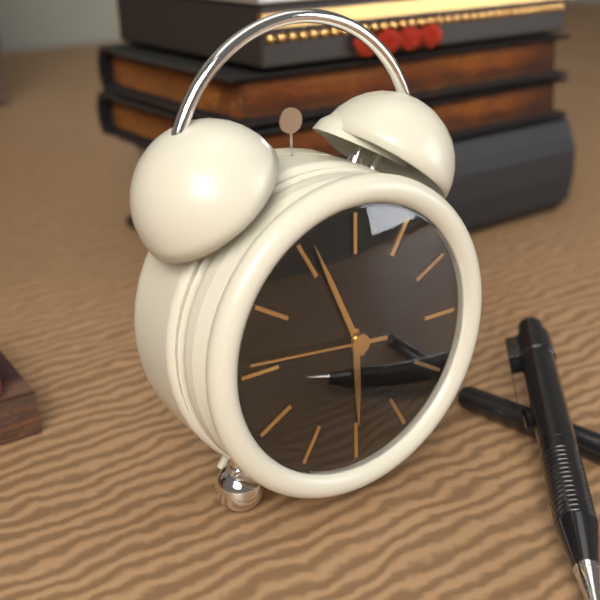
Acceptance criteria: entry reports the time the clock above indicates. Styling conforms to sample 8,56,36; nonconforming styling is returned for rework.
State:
5,56,46
